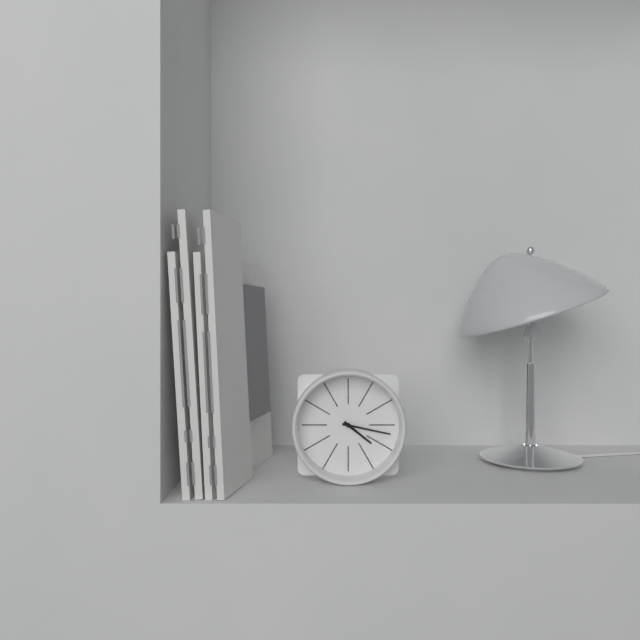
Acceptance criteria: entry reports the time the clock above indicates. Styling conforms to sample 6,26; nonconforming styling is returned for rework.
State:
4,17
